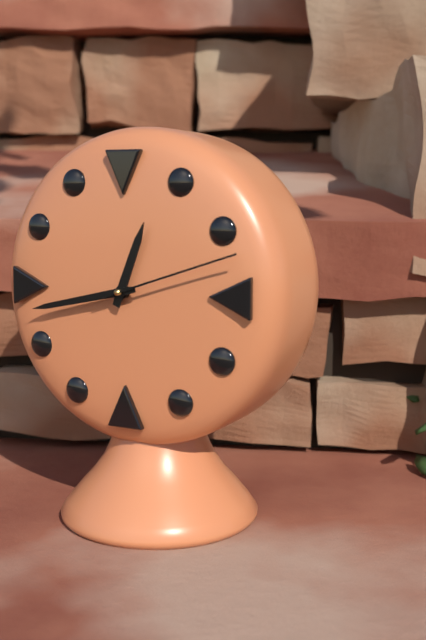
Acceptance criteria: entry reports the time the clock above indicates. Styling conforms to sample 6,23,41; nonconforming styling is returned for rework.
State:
12,43,12
